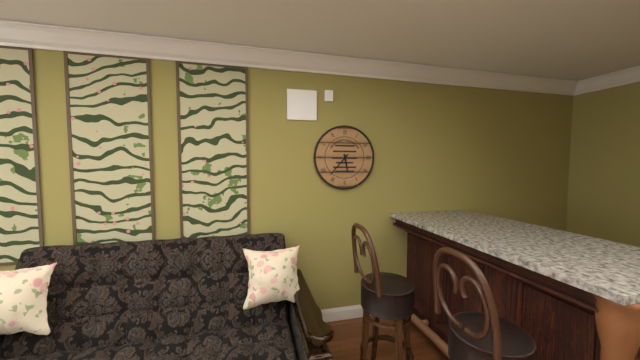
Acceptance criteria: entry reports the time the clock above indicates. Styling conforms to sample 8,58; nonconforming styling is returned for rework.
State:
5,37
